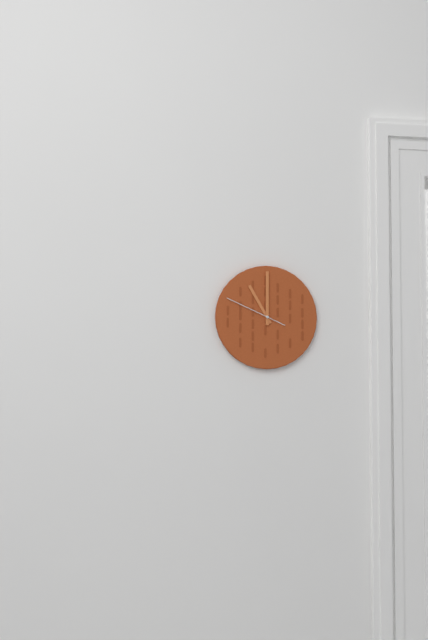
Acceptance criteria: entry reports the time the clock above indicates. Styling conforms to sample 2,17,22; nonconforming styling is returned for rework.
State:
11,00,49
